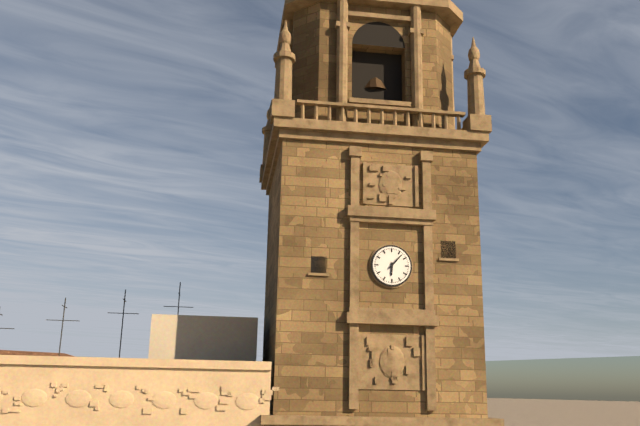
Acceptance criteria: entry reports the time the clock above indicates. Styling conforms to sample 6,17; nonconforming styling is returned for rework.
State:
6,07
